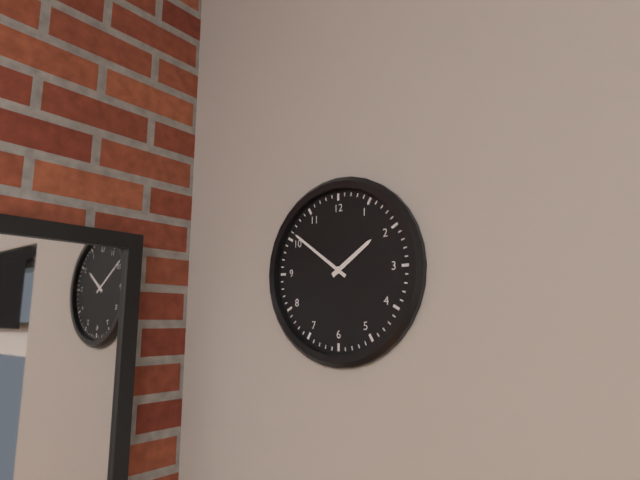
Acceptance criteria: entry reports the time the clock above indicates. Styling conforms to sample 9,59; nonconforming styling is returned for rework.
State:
1,51
